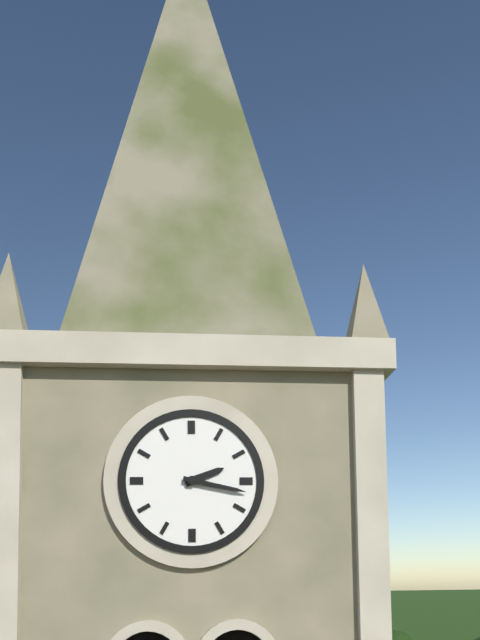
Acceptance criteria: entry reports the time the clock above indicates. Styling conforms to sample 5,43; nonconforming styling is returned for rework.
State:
2,17
